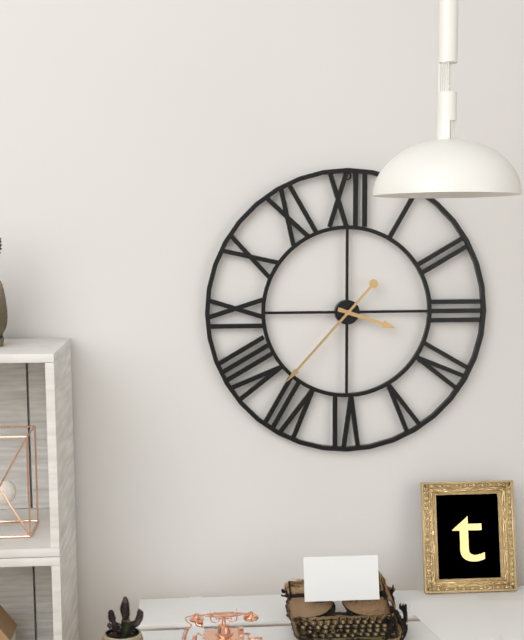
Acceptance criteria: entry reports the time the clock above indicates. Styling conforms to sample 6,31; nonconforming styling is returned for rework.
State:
3,37
